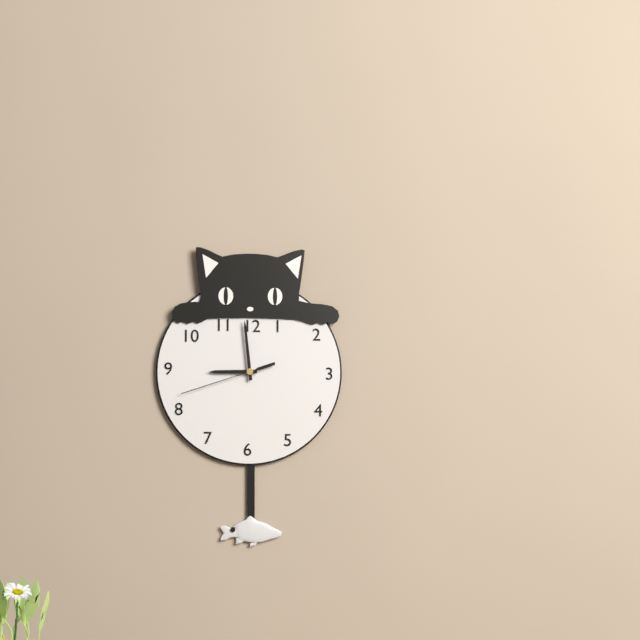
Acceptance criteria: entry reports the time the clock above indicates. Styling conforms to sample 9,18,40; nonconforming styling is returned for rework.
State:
8,59,42
